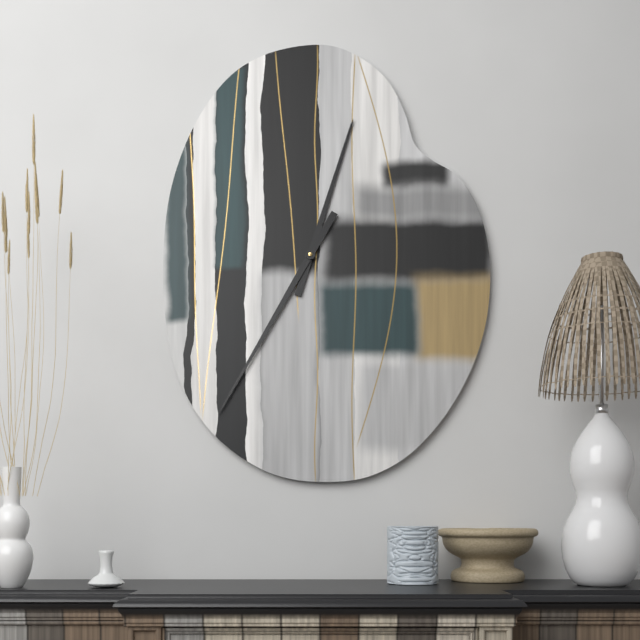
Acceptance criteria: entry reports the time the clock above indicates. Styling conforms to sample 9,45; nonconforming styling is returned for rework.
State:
12,35
